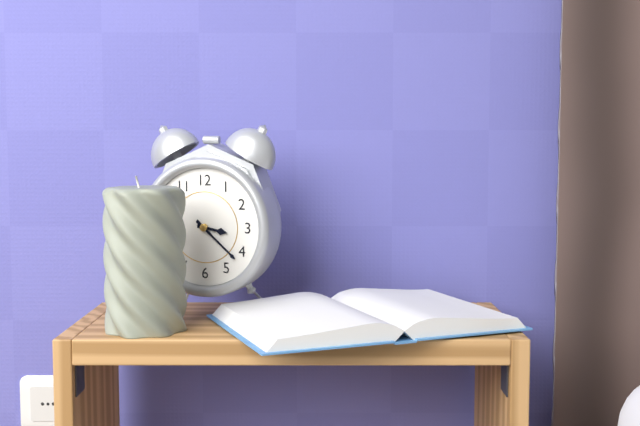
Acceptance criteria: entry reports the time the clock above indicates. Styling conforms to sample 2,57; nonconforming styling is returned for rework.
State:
3,22
